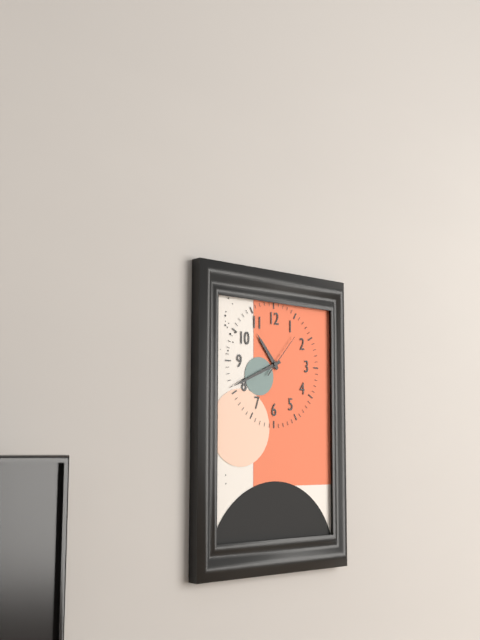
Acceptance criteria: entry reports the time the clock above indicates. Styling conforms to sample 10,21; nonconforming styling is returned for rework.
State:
10,41
